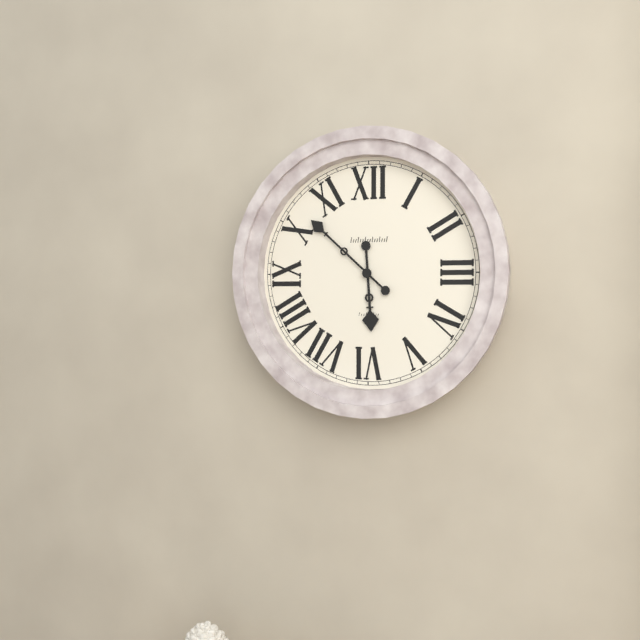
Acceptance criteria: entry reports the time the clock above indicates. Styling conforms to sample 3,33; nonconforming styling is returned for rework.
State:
5,52
